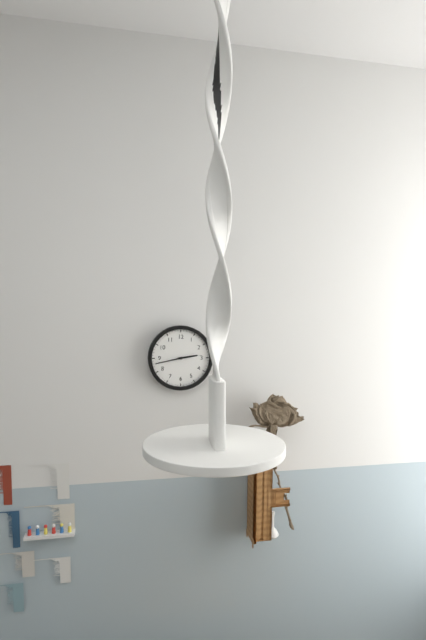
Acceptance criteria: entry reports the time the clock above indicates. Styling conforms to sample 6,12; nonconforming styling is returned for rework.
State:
2,43
